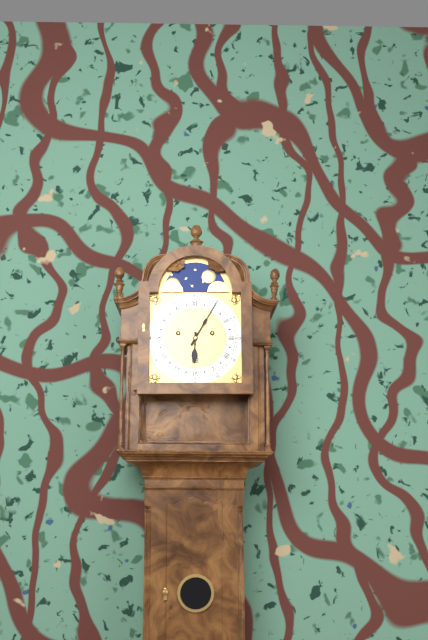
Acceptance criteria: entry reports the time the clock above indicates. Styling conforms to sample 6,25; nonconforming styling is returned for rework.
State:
6,05
